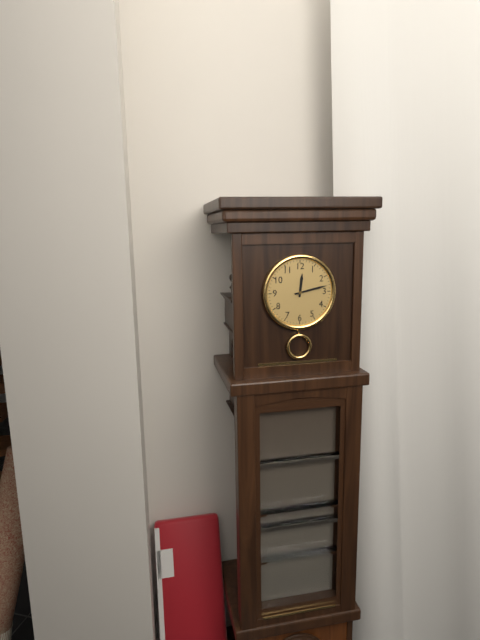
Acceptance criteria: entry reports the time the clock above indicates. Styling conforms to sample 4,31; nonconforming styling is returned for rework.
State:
12,13
